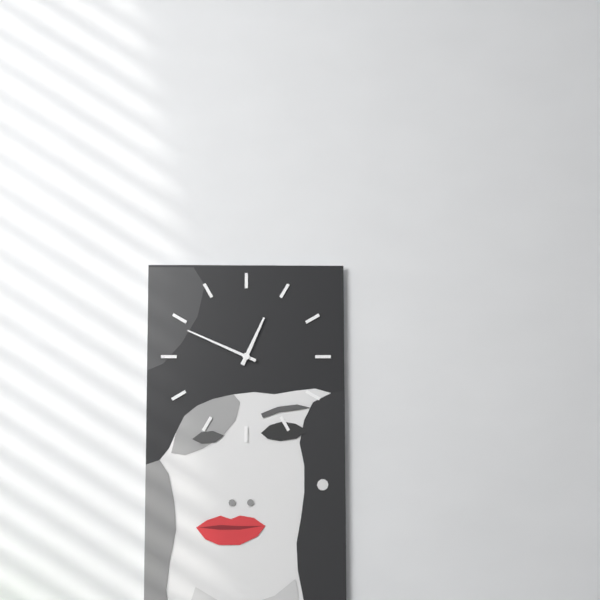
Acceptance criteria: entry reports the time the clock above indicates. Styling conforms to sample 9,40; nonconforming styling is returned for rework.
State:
12,49
